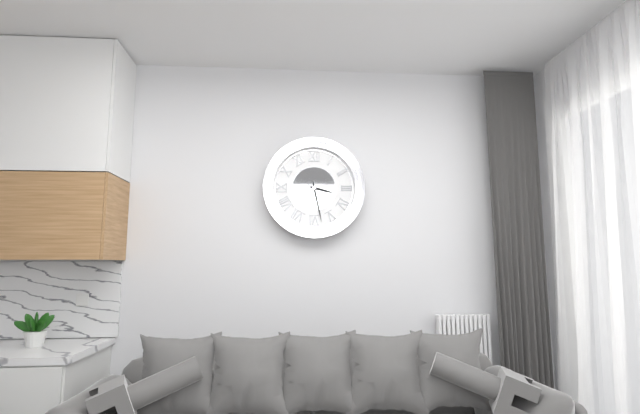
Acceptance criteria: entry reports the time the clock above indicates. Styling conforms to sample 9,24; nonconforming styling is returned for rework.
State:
3,28
